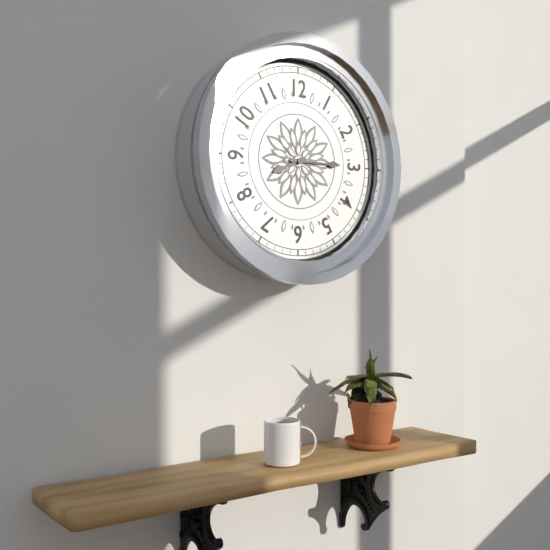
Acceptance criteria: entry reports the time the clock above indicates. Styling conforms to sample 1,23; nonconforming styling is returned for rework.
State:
8,15
